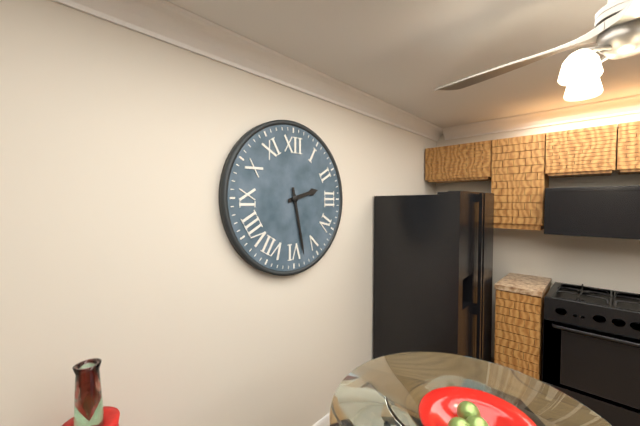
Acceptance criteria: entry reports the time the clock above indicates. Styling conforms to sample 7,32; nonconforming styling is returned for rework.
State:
2,28
